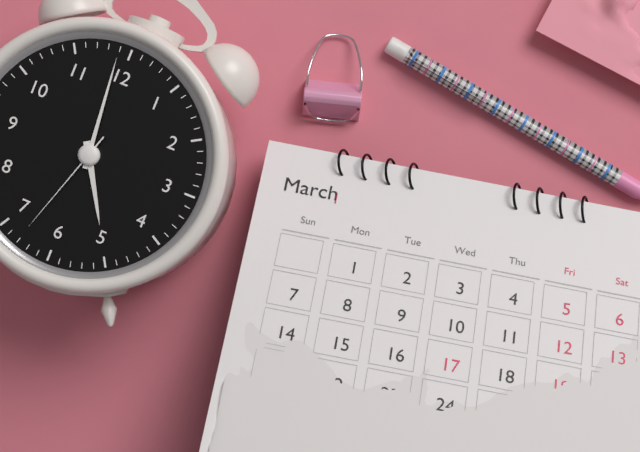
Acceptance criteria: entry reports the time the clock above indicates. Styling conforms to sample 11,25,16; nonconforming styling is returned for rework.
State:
4,59,33
